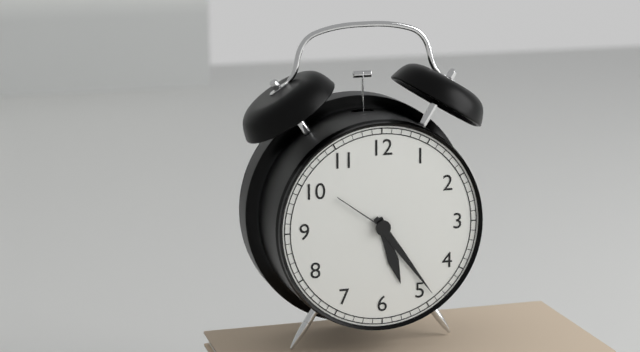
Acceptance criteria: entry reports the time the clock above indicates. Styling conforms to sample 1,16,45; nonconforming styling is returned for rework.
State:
5,24,51
